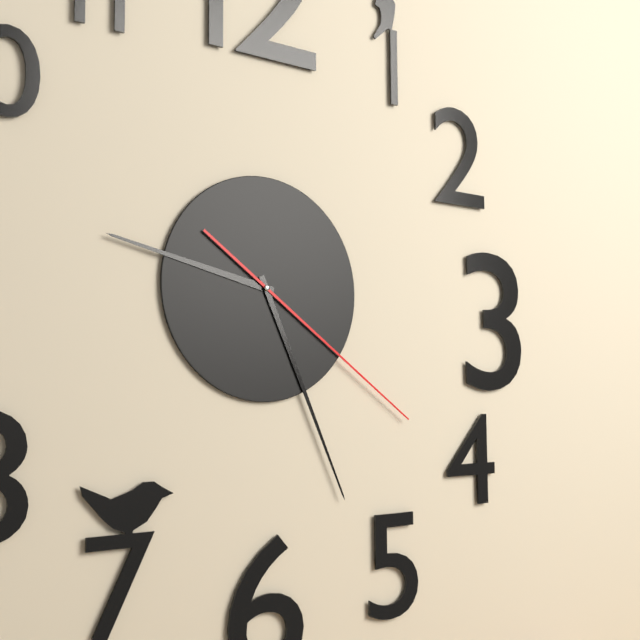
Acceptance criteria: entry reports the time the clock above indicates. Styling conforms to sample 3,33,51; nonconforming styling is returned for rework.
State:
9,26,21
